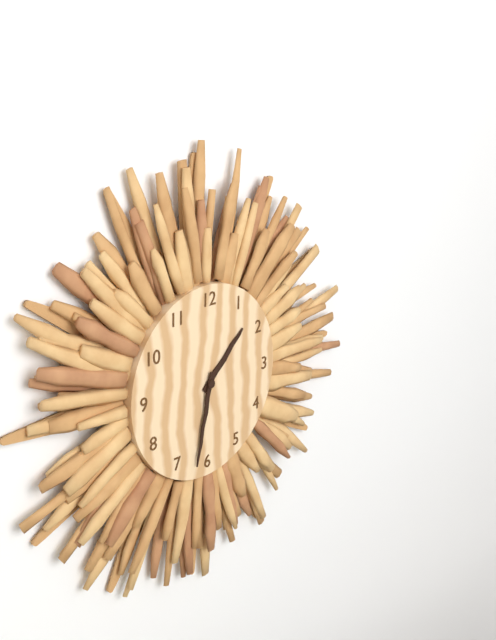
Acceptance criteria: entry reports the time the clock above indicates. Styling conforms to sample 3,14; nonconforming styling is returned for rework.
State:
1,32
